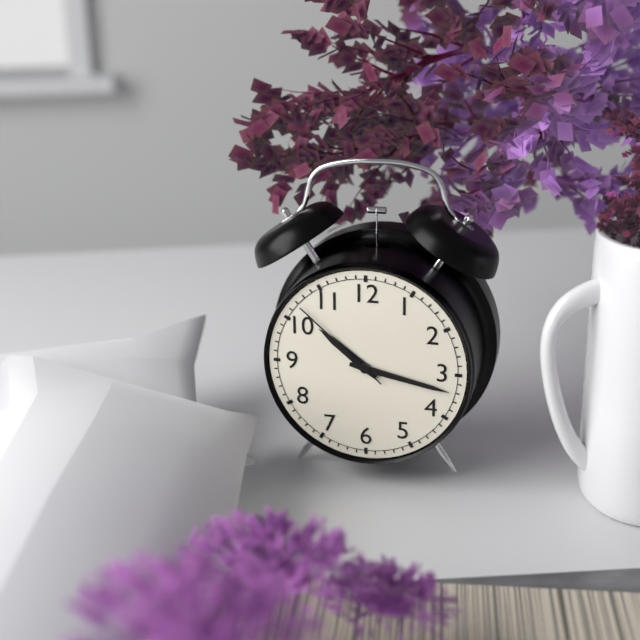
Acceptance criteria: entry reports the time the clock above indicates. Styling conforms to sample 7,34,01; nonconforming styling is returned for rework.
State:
10,17,52
